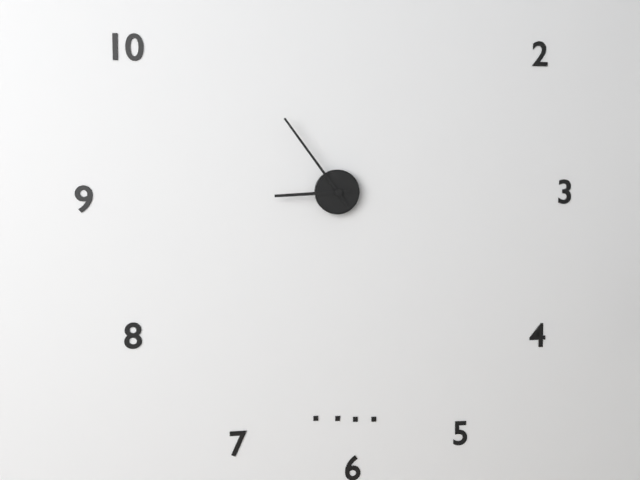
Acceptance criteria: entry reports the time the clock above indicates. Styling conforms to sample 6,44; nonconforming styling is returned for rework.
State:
8,54
